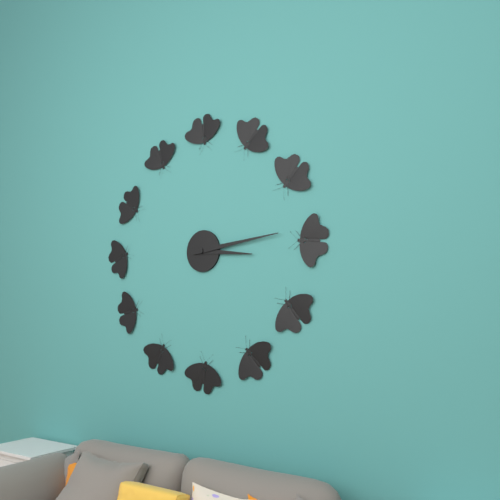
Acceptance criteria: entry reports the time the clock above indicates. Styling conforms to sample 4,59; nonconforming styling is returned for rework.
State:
3,14
